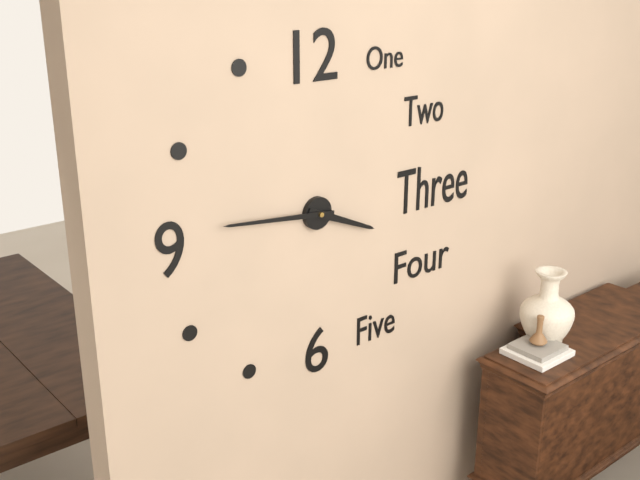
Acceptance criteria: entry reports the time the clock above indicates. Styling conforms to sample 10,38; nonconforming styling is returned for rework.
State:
3,46
